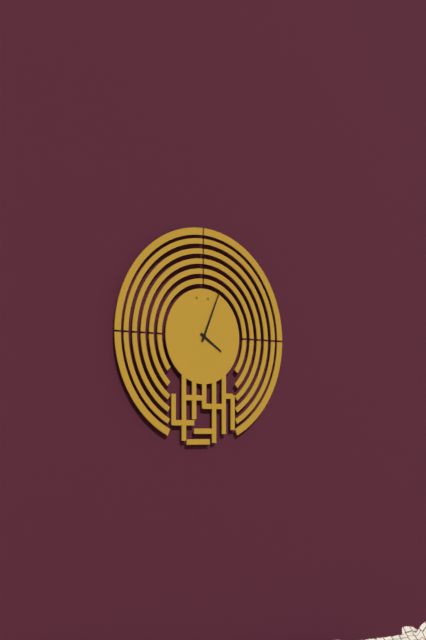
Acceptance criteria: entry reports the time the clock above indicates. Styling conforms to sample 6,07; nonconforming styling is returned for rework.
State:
4,04
